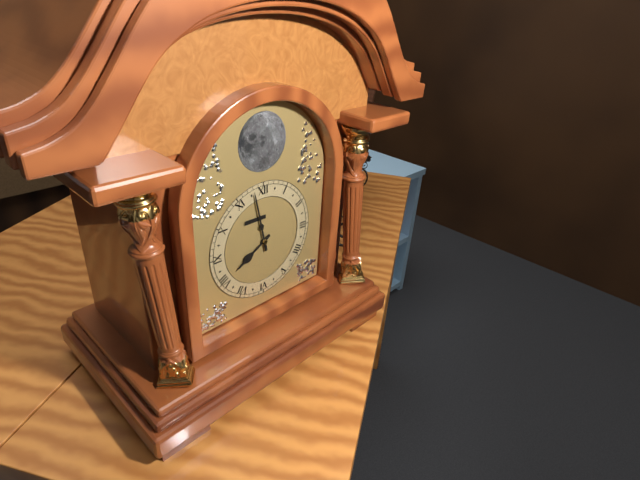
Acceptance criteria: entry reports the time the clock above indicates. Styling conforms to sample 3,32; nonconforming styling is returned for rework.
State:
7,58
